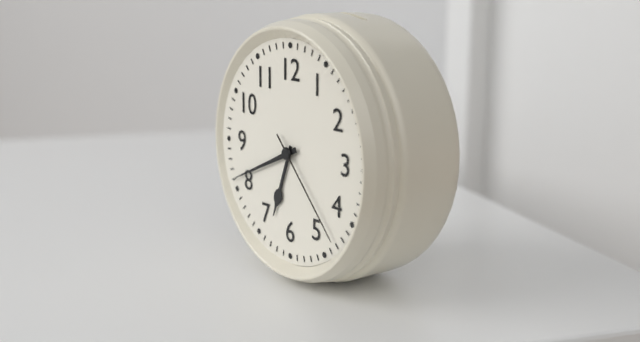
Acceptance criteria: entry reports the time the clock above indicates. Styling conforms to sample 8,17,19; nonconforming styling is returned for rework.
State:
6,41,23
